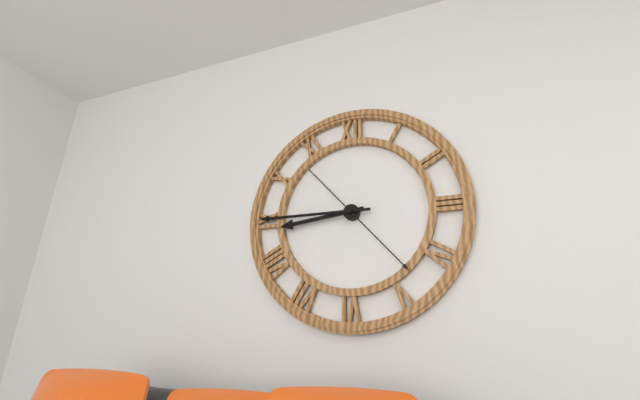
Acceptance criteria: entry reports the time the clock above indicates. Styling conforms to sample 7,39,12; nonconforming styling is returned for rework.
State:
8,45,23
